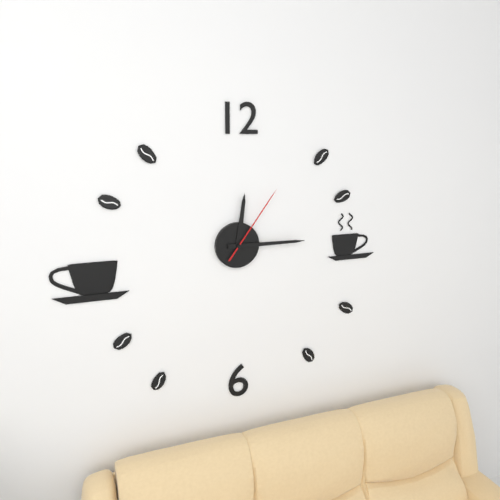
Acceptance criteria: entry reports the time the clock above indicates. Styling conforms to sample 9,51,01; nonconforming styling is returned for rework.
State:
12,15,06
